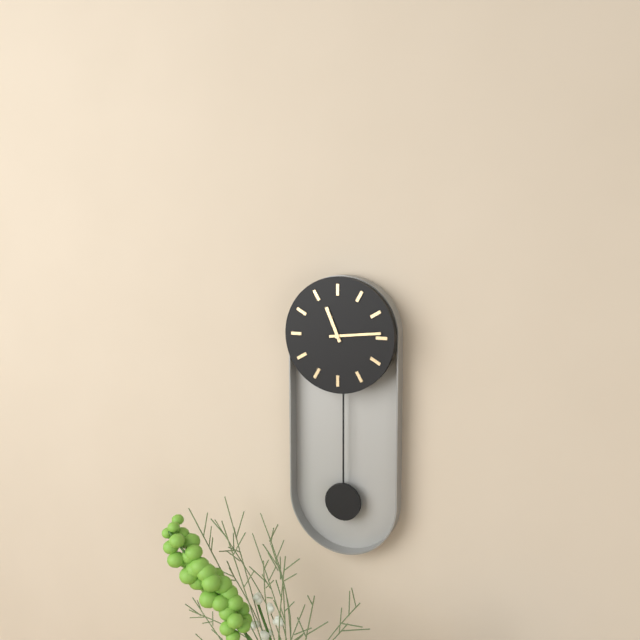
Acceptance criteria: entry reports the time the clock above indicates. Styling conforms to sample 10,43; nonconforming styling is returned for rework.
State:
11,14
